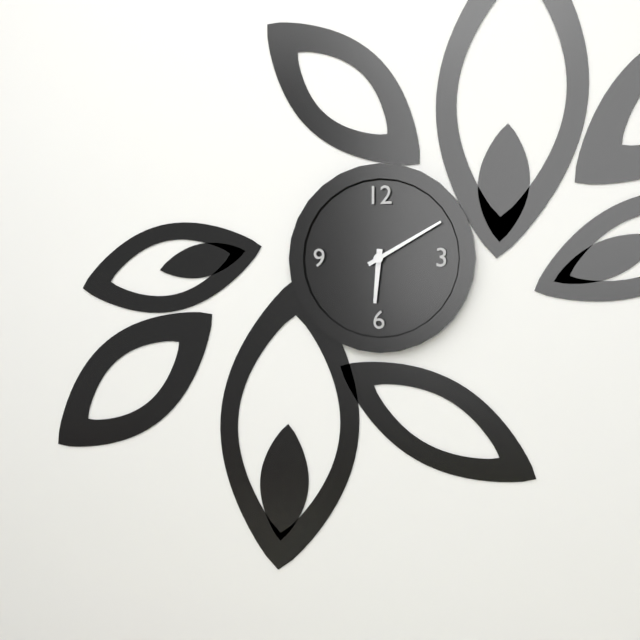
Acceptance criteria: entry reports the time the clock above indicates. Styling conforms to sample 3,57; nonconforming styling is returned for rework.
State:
6,10
